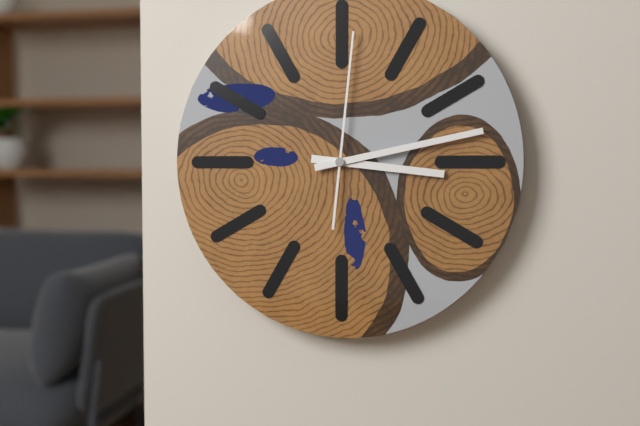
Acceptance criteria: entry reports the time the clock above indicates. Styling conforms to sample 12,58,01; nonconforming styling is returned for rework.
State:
3,13,01
